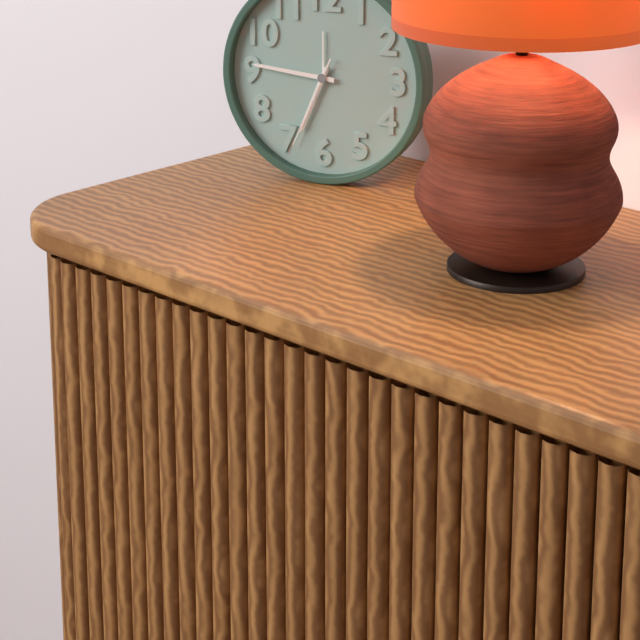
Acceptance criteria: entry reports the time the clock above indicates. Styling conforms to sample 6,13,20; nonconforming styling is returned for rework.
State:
6,46,34
